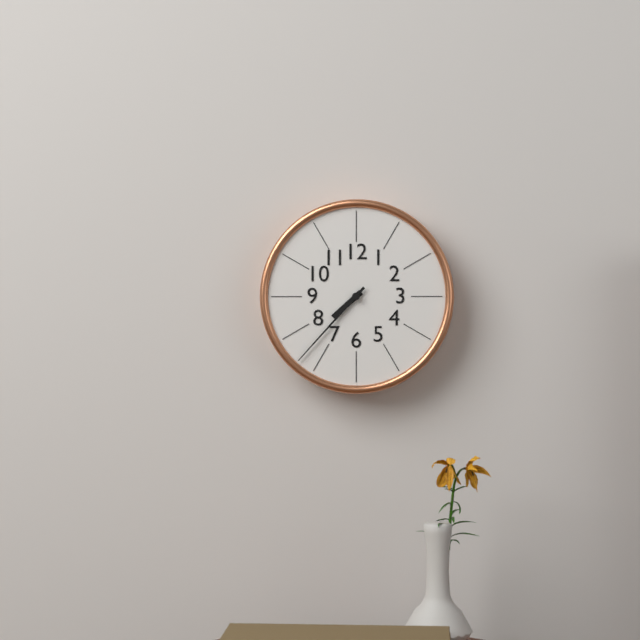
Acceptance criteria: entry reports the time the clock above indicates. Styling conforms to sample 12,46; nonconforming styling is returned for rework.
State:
7,37
